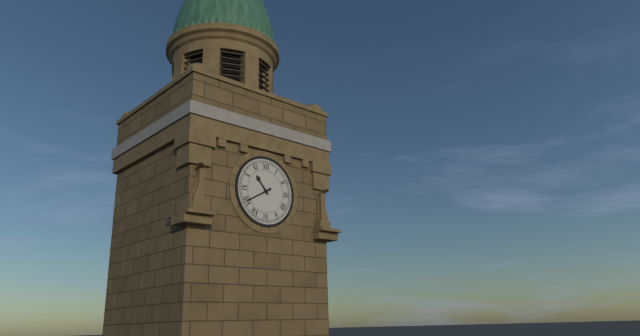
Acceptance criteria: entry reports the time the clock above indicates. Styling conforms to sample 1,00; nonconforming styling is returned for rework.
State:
10,40
